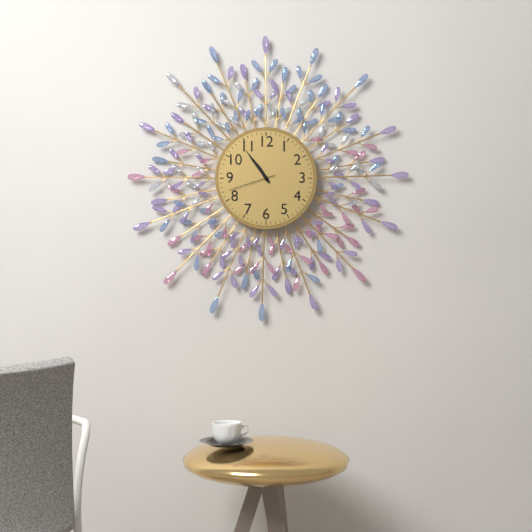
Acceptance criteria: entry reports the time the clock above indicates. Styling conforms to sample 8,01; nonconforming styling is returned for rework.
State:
10,54
